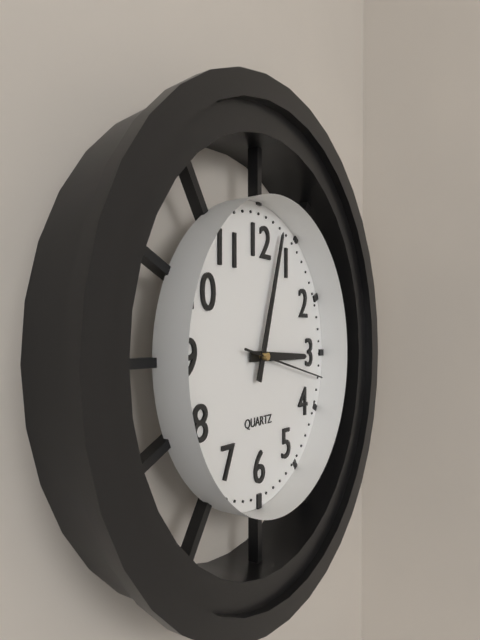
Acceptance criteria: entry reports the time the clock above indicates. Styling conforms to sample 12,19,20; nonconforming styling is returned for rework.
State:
3,03,17
